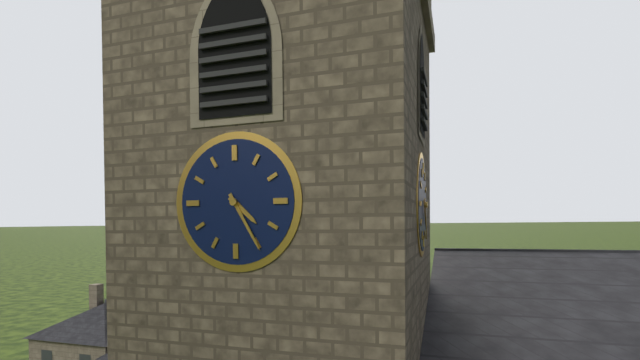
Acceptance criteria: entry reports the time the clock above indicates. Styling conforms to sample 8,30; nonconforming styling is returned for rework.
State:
4,25
